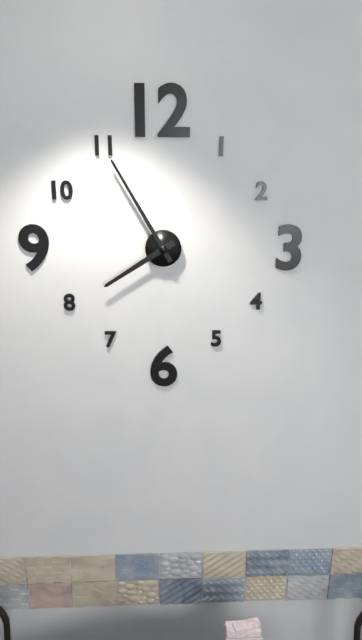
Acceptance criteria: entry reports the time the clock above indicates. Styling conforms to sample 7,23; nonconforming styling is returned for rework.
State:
7,55
